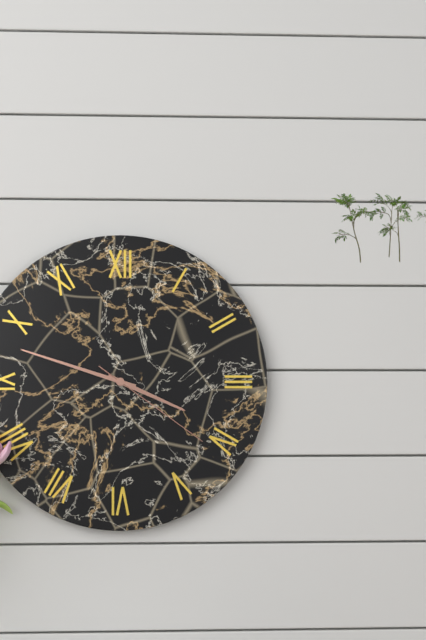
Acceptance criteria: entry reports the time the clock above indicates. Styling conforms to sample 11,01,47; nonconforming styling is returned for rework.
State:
3,48,21
